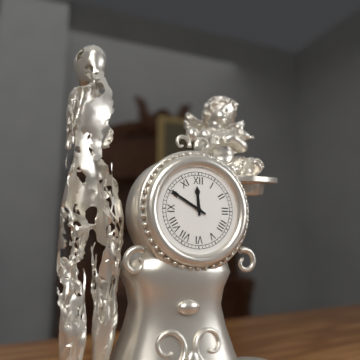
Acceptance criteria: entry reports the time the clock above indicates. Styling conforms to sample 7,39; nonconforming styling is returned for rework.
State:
11,50
